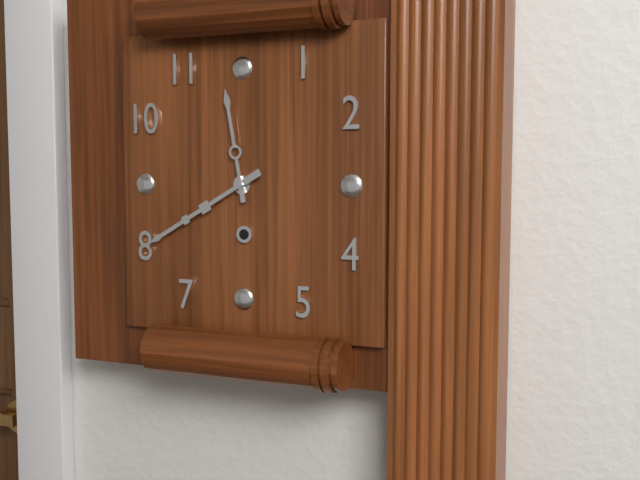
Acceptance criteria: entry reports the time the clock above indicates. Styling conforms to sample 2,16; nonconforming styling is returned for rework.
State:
11,40
